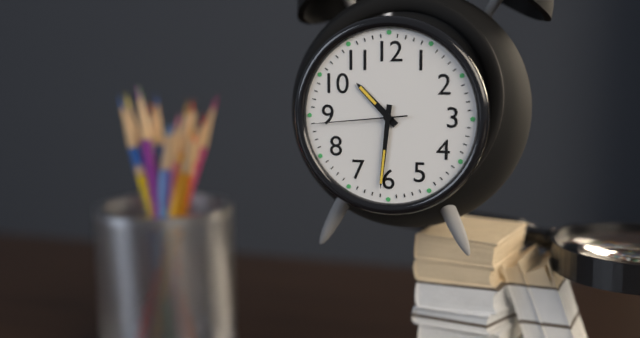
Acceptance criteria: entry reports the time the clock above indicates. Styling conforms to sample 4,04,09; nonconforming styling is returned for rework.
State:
10,31,44
